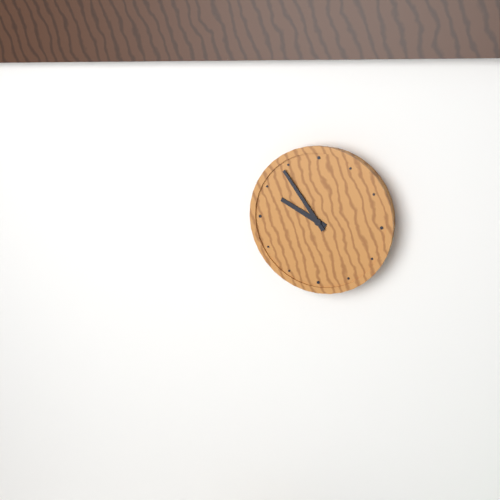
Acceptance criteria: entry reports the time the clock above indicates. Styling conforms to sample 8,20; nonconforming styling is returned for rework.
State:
9,54
